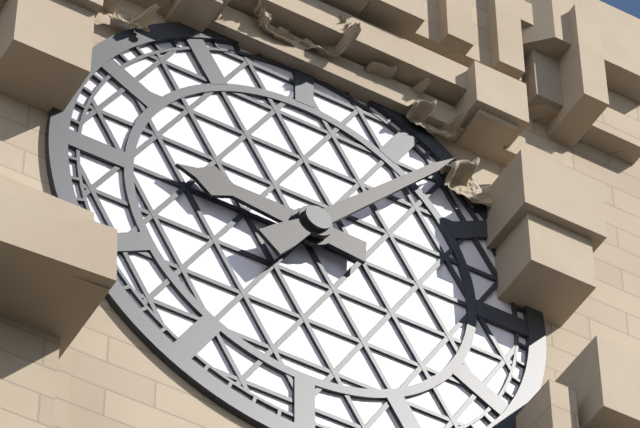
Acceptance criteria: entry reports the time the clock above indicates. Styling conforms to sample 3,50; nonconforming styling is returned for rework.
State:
9,07
